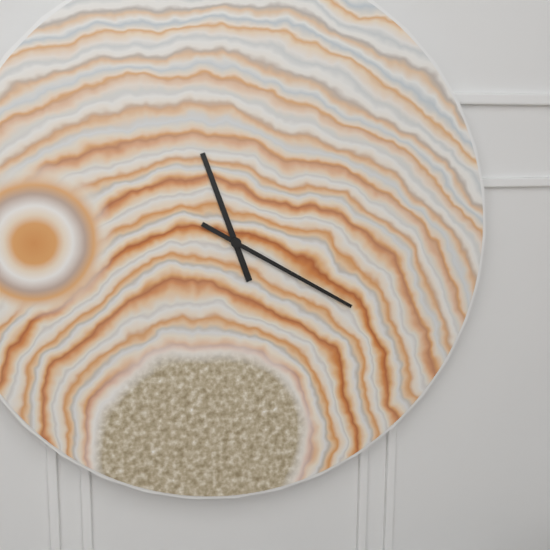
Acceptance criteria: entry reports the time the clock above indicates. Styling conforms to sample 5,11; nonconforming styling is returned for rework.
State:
11,20
